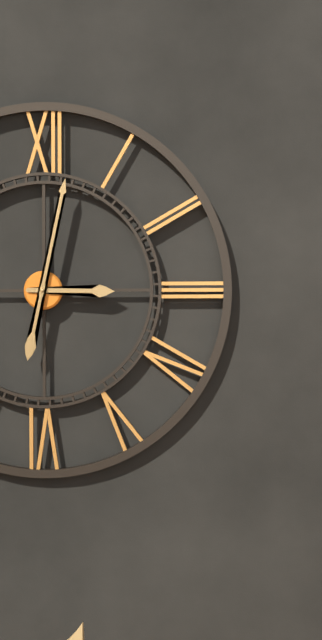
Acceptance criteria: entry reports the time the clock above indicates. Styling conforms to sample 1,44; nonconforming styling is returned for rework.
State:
3,02
